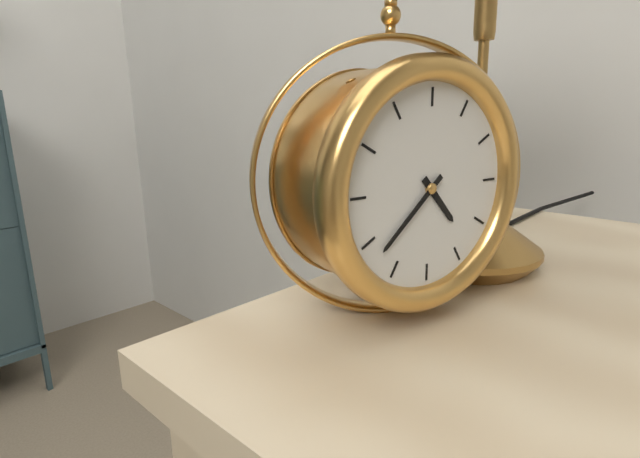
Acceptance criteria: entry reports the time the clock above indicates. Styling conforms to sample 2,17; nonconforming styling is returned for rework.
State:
4,38
